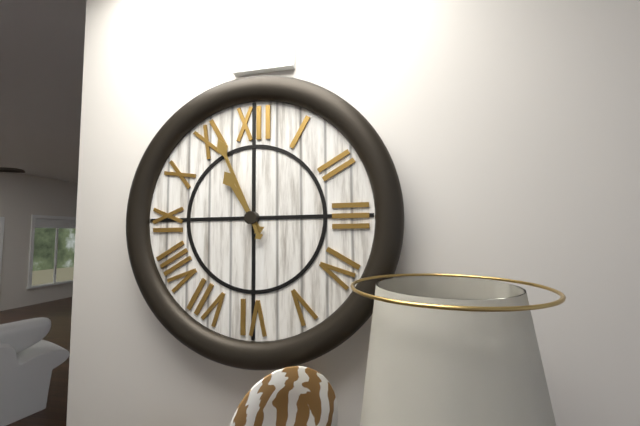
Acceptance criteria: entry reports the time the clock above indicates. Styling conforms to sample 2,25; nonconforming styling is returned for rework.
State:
10,56
